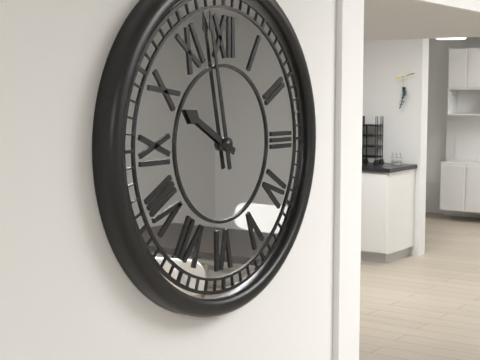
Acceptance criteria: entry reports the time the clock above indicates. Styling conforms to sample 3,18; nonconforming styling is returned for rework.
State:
9,58
